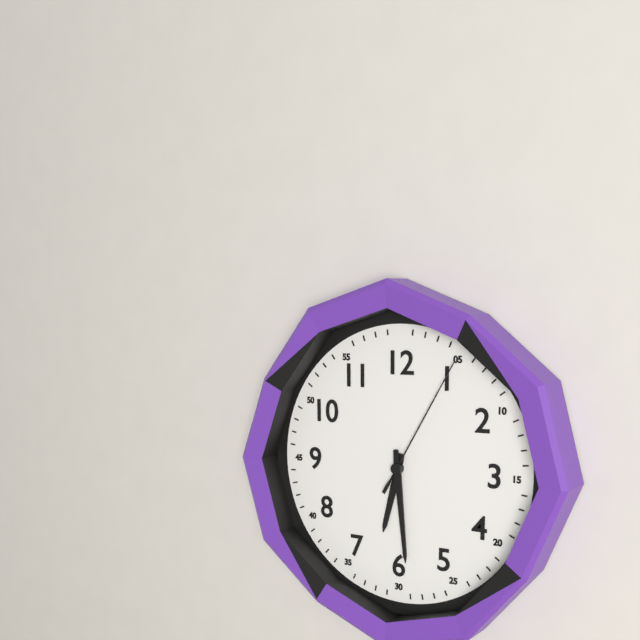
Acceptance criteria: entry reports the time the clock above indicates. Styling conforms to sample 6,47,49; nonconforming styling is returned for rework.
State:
6,29,05
